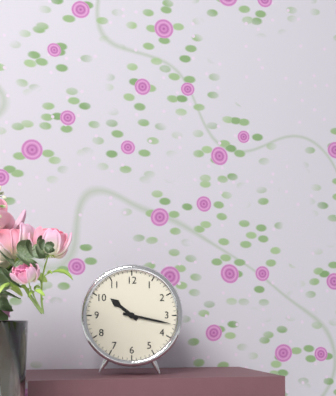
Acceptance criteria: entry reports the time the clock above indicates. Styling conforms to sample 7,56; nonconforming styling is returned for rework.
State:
10,17
